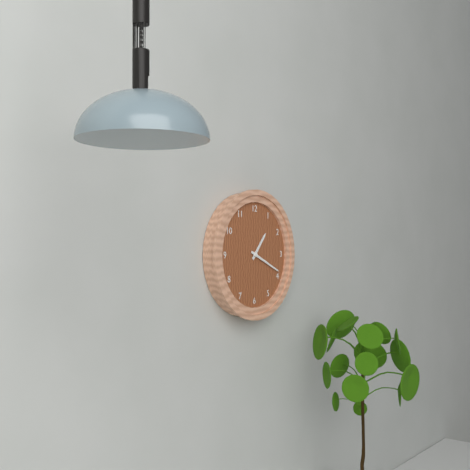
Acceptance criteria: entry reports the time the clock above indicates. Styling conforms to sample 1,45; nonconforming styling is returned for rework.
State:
1,19
